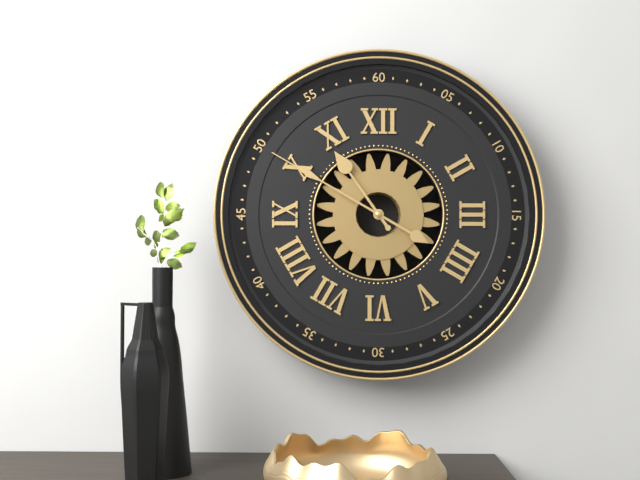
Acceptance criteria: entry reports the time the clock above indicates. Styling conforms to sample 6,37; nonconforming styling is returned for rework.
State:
10,50
